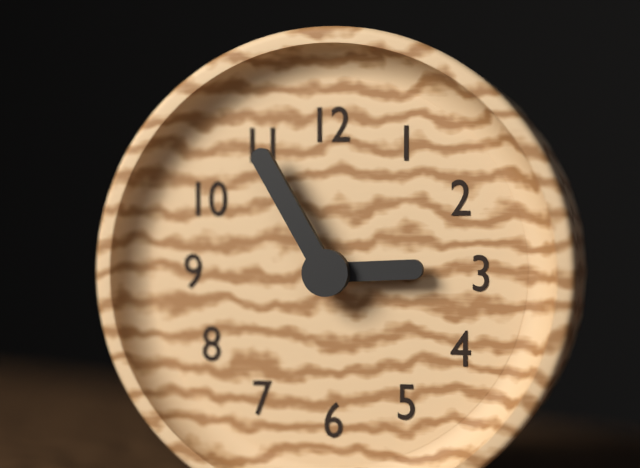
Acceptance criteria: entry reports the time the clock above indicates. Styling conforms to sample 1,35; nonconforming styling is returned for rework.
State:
2,55
